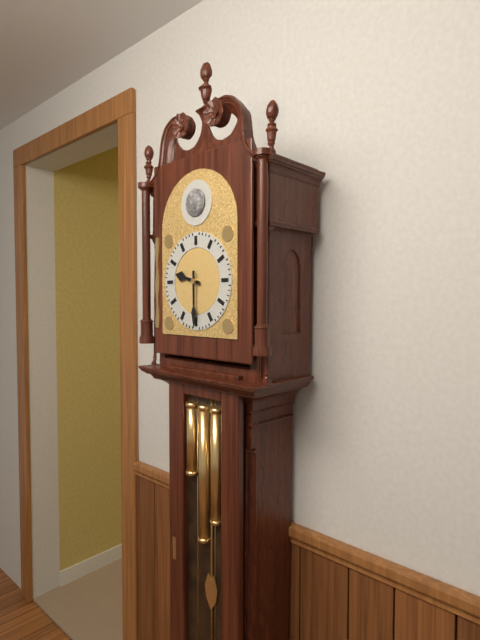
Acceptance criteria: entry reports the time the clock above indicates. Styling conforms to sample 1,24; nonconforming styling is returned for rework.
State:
9,30
